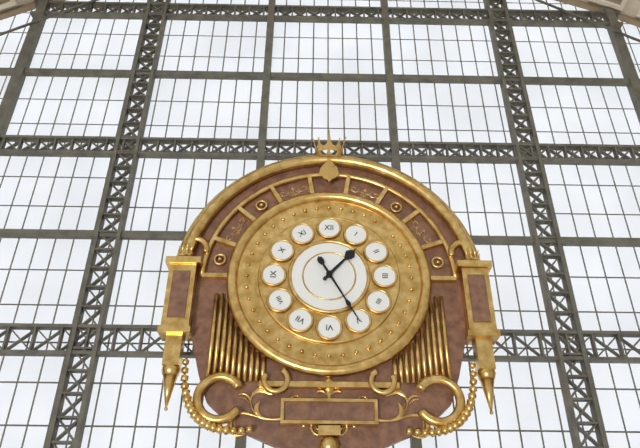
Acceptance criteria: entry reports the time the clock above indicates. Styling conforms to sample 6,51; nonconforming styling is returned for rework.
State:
1,25
